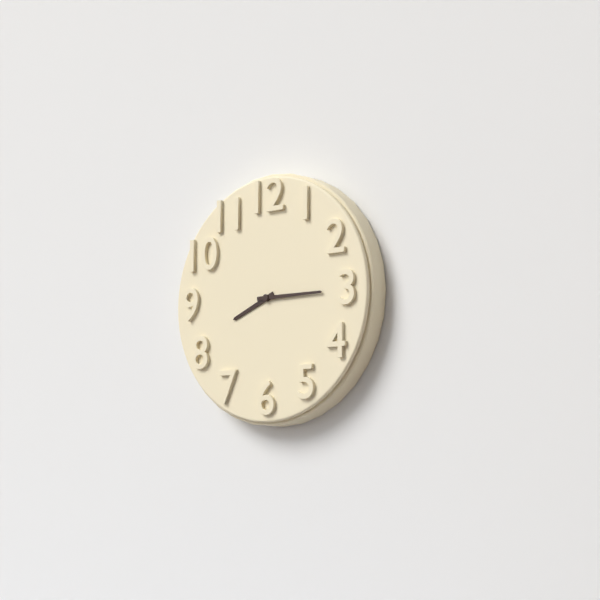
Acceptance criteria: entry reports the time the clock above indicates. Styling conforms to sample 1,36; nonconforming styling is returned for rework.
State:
8,15
